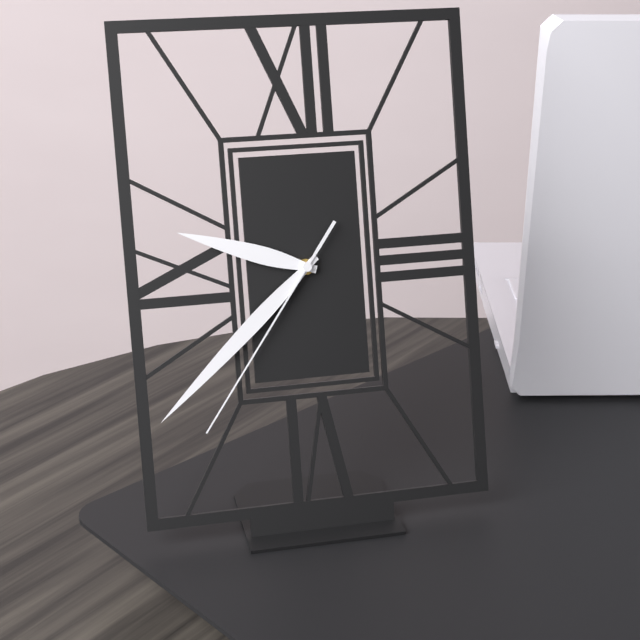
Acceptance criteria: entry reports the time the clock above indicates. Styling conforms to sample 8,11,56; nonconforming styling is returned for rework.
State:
9,38,36
